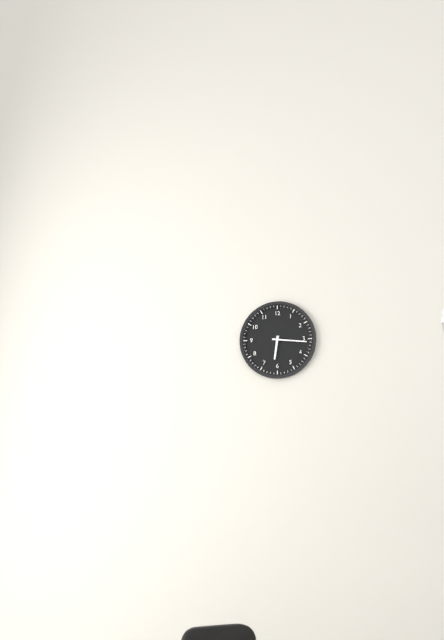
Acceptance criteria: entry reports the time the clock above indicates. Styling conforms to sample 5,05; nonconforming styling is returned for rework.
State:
6,16
